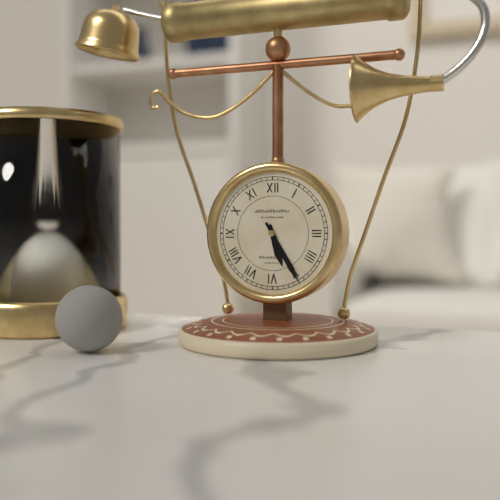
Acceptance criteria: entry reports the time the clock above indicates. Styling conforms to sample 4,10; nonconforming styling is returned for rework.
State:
5,25
